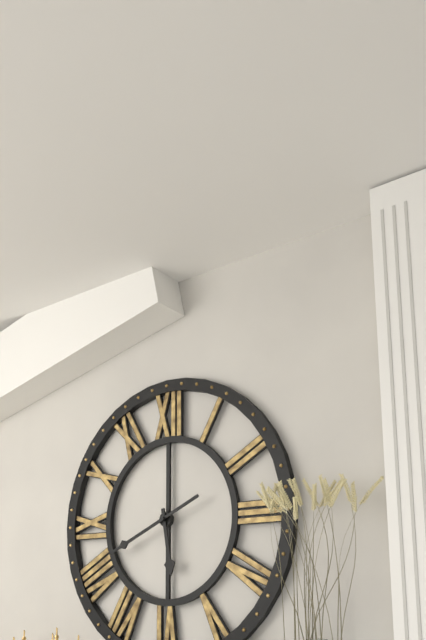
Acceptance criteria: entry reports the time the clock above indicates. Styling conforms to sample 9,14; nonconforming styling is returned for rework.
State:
5,41
